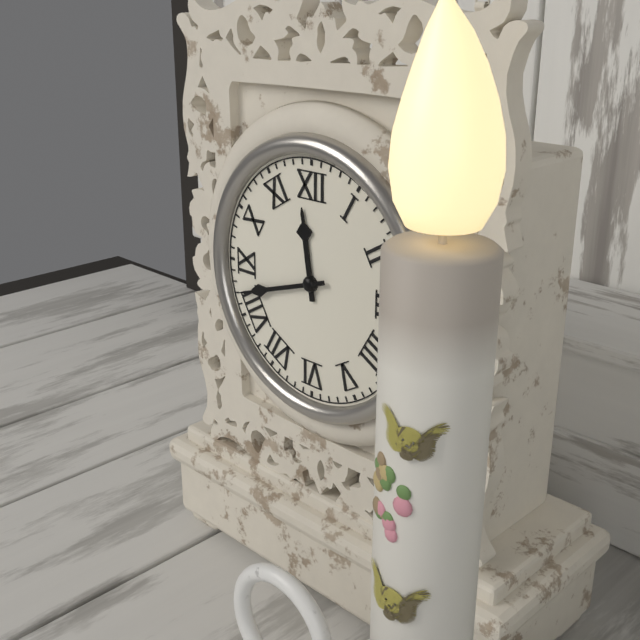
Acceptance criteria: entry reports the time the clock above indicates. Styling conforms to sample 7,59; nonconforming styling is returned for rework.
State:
11,42
